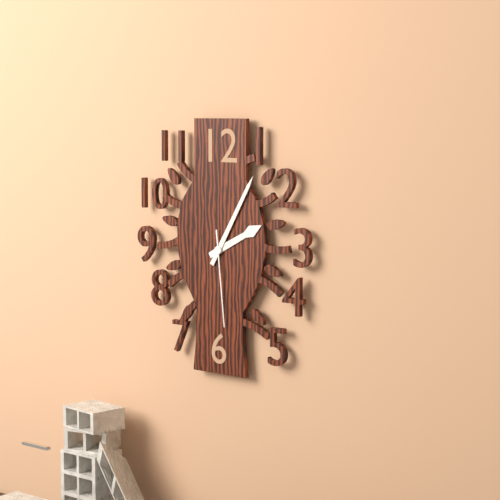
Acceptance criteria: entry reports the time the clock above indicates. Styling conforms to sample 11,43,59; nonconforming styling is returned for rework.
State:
2,05,29
